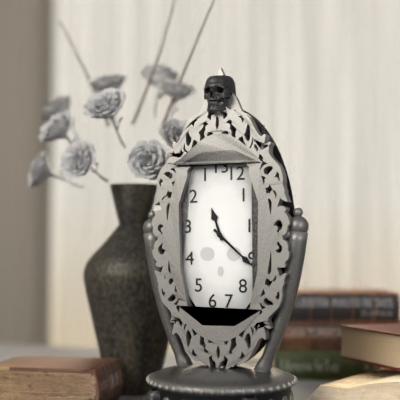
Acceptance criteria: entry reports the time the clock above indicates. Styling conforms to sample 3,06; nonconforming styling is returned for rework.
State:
11,22
